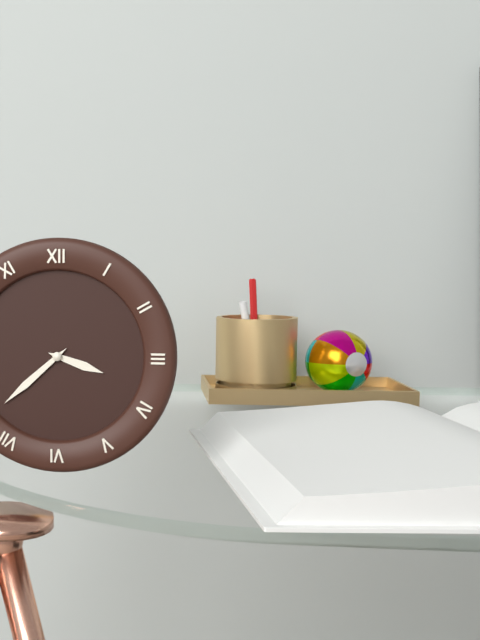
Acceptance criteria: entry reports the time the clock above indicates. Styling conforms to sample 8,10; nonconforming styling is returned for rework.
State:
3,38
